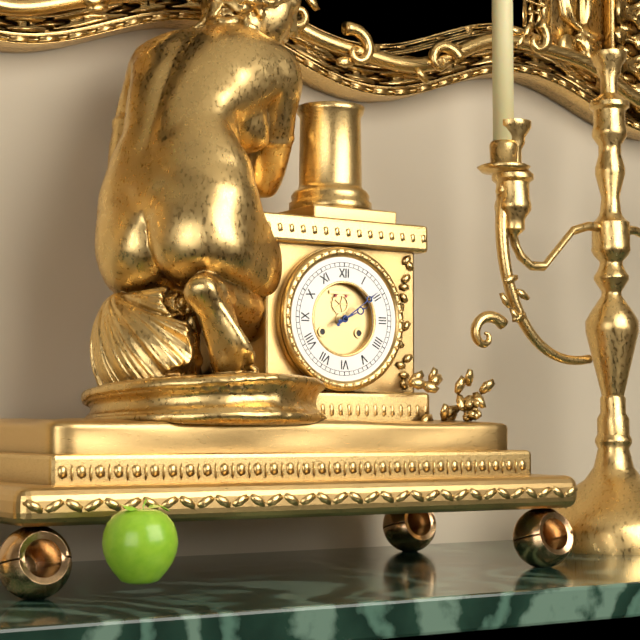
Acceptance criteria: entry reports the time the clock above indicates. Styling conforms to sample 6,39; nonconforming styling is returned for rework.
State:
2,09
